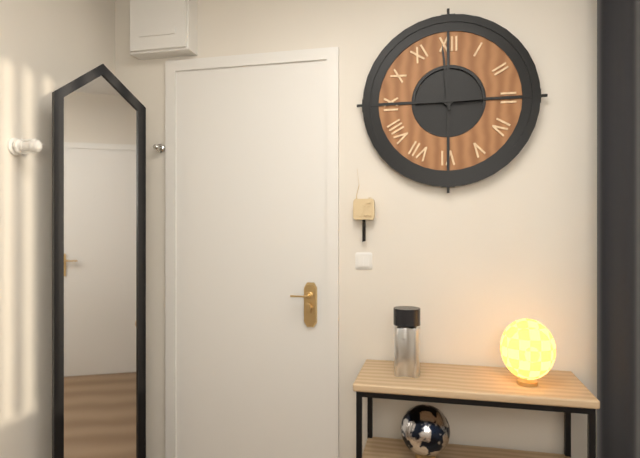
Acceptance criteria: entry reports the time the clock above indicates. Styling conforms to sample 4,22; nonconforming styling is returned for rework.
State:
2,59
